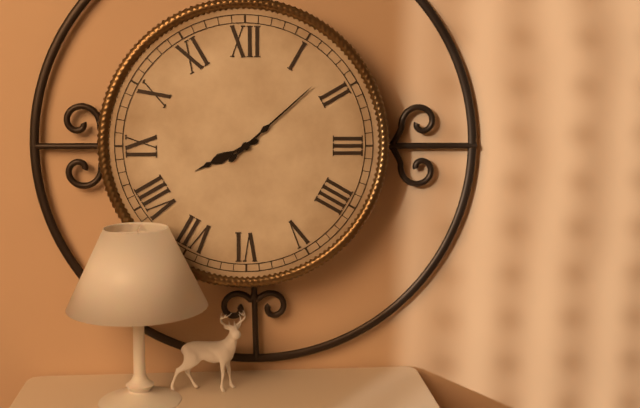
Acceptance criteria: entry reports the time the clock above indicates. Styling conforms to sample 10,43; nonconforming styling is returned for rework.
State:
8,08
